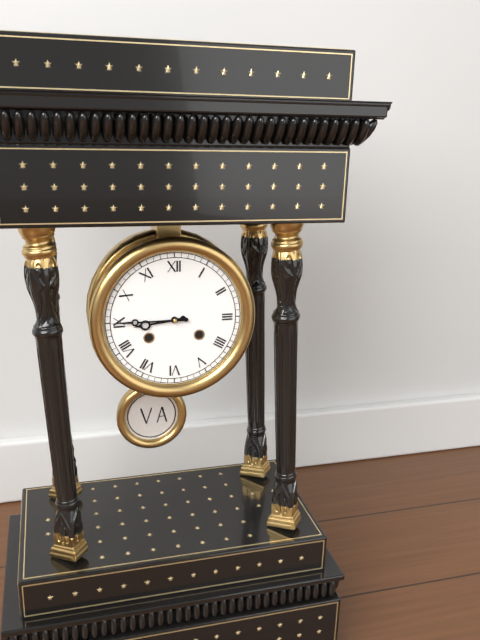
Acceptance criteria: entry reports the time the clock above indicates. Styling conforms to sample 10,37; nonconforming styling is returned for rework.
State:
8,45
